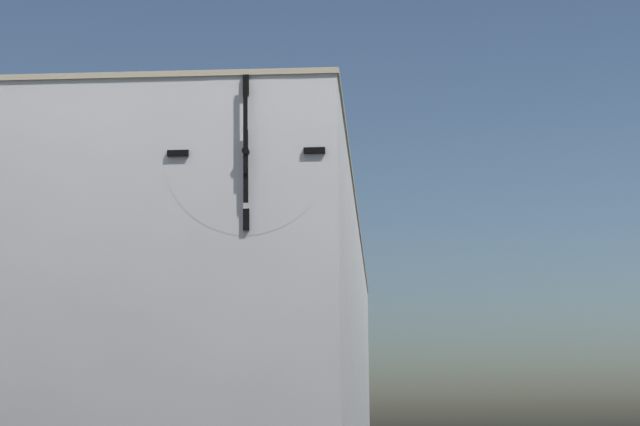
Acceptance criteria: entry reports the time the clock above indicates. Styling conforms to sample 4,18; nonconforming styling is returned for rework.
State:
6,00
